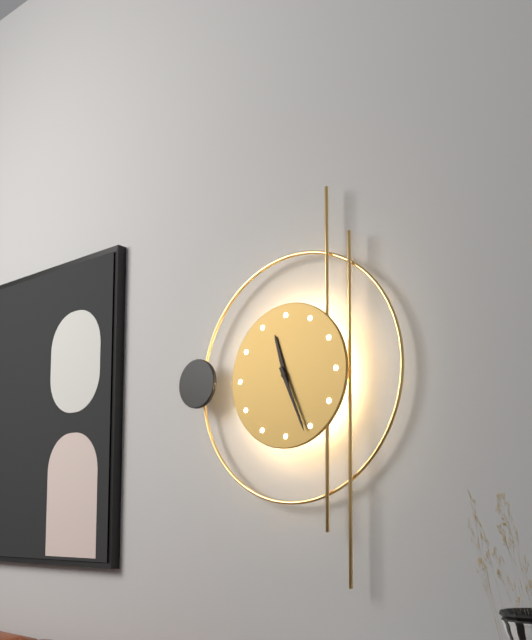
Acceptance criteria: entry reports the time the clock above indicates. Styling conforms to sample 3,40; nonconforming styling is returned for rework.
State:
11,26
